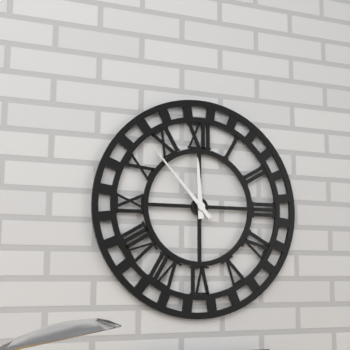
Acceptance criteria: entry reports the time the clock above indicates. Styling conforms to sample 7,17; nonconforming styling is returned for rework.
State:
11,53
